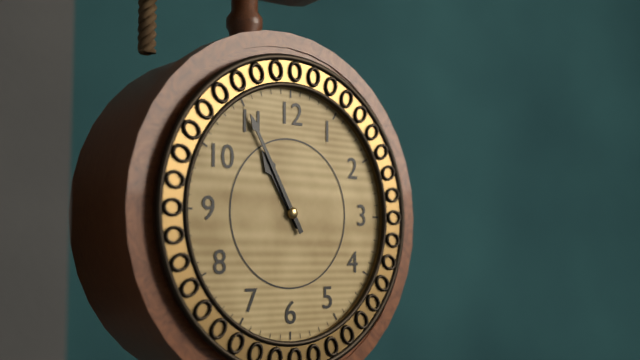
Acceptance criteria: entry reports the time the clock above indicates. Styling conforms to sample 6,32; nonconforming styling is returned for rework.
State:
10,55
